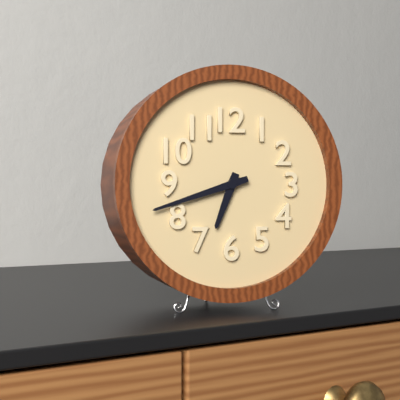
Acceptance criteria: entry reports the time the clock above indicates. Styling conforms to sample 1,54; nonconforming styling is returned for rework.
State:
6,42
